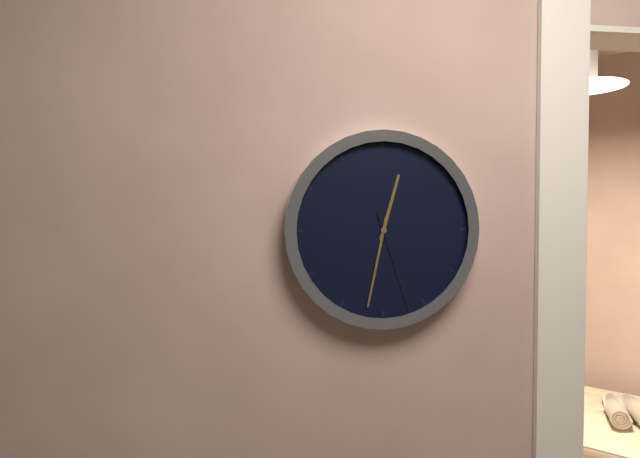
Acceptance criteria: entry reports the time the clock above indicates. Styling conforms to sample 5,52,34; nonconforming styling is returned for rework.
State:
12,32,27
